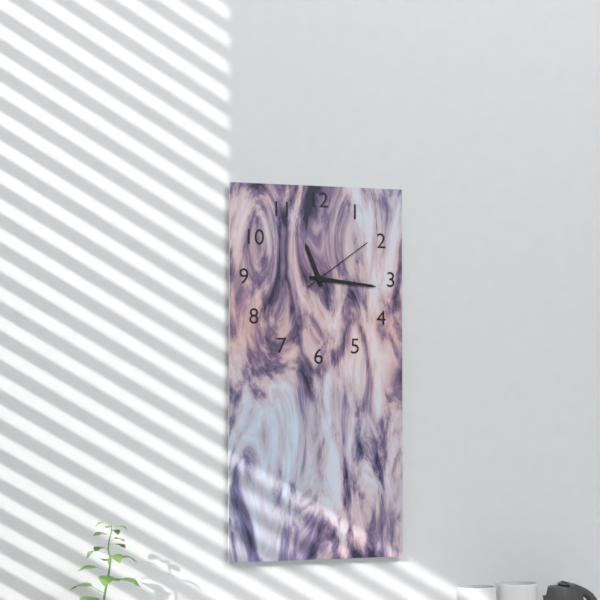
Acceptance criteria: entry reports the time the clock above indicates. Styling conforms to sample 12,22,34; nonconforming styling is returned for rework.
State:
11,16,09
